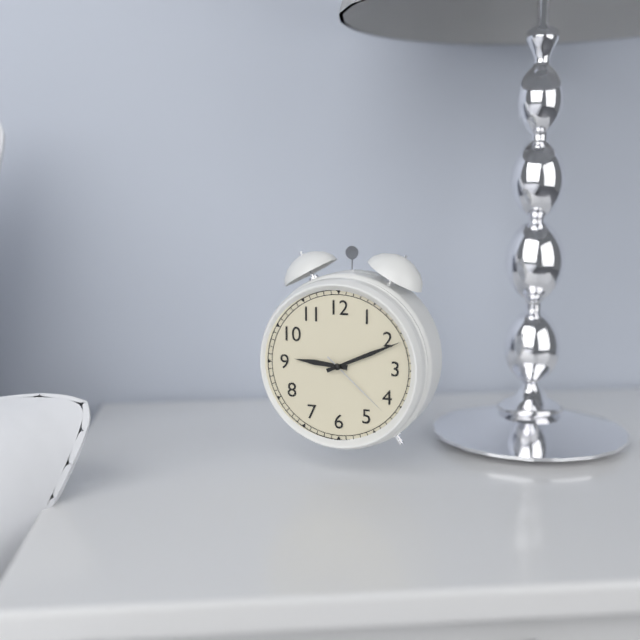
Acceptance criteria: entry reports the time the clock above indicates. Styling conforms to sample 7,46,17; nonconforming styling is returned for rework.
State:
9,11,22
